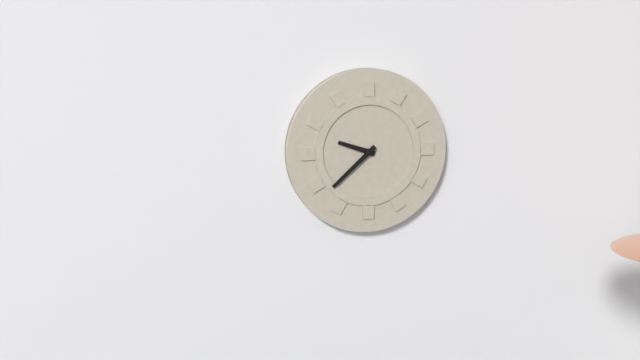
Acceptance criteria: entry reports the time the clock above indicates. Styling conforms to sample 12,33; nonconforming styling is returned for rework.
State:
9,38
